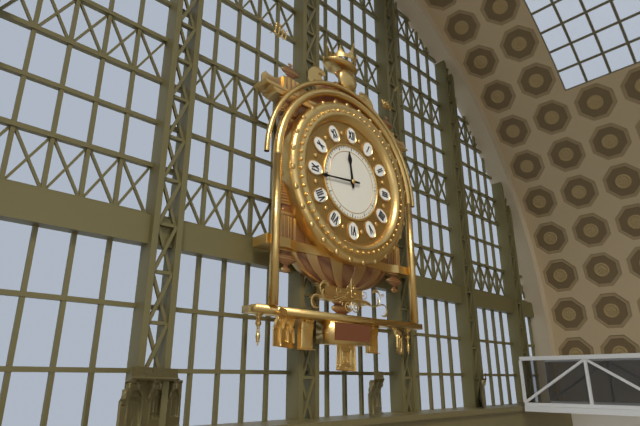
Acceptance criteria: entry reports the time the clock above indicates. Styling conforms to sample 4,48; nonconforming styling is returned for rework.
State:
11,44
